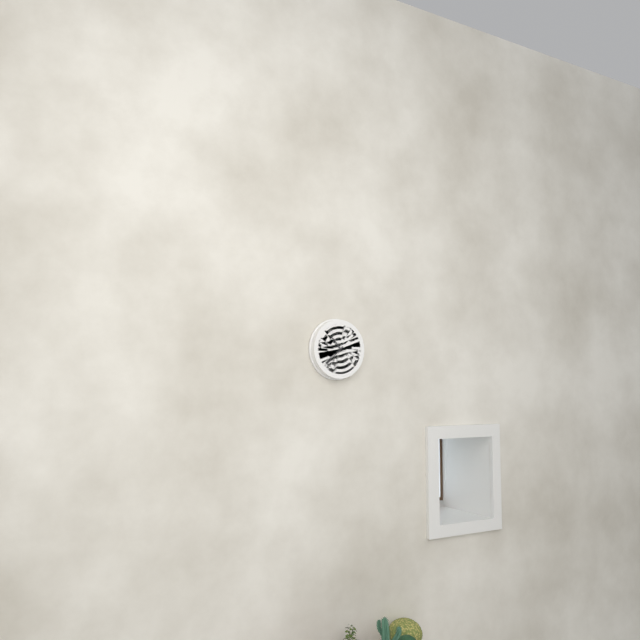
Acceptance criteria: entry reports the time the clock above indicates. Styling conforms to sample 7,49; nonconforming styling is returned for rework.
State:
10,38
